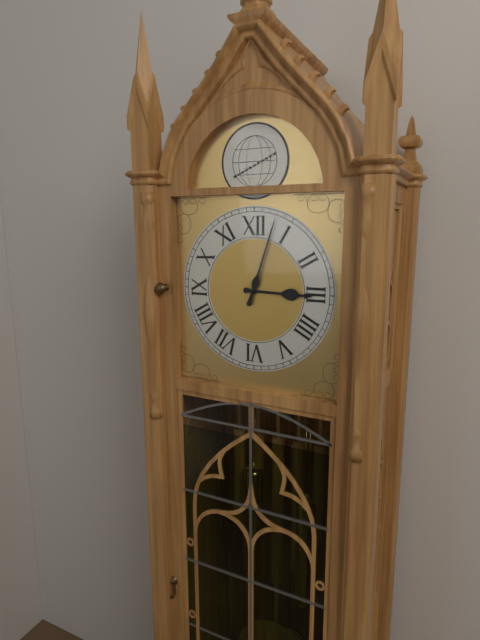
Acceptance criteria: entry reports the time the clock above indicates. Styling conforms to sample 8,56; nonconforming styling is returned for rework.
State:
3,03
